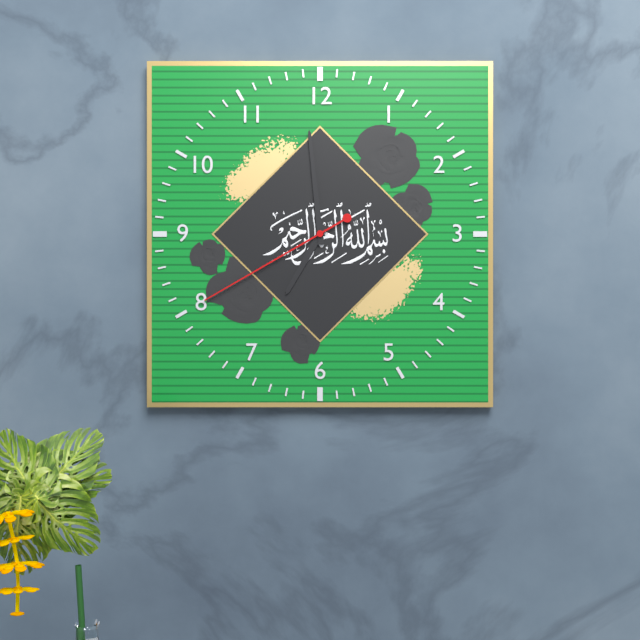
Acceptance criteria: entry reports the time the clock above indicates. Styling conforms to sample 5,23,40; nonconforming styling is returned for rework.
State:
6,59,40
